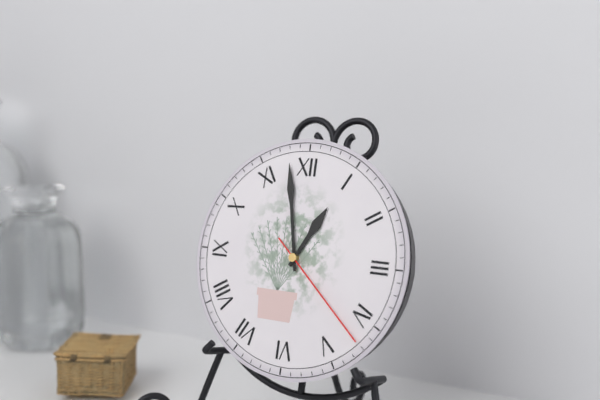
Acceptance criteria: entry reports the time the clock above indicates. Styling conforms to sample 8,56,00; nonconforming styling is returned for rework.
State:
12,58,22
